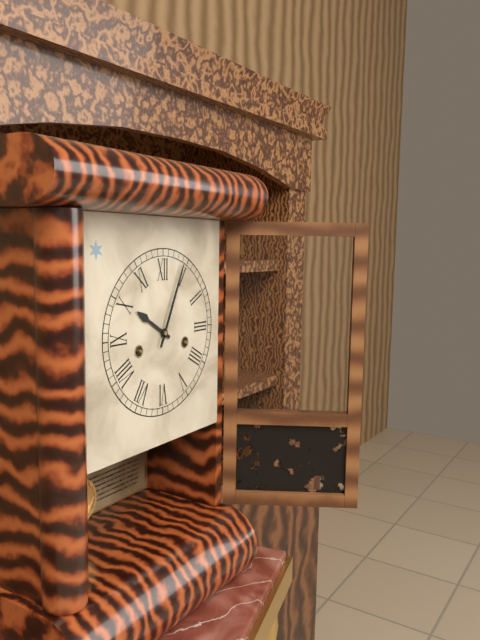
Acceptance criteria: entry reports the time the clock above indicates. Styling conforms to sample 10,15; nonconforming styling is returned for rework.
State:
10,04
